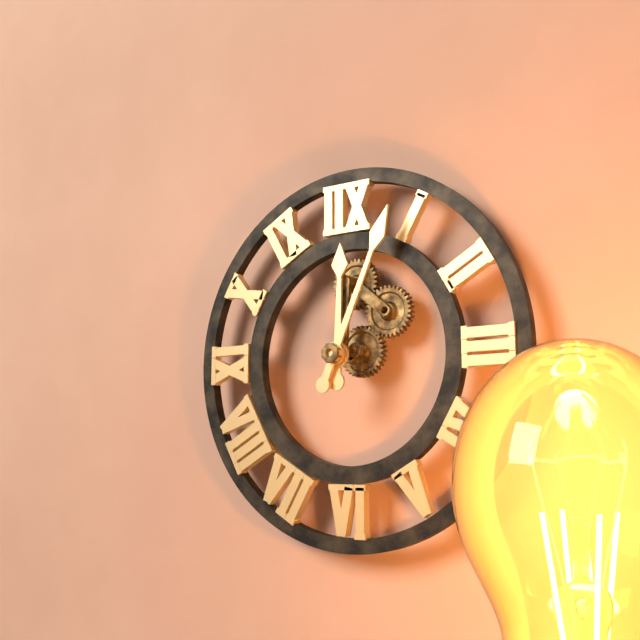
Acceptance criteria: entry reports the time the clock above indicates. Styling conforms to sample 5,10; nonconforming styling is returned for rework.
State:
12,04
